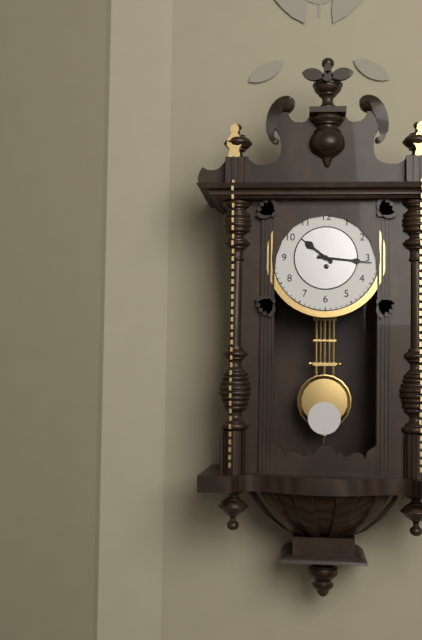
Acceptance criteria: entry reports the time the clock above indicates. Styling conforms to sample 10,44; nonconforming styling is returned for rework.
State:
10,16
